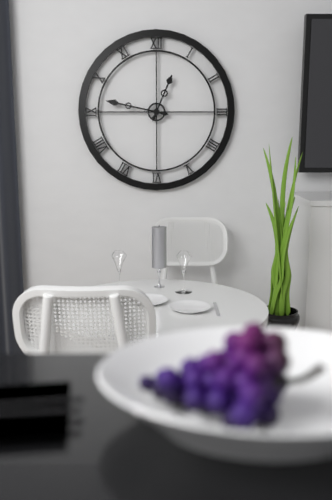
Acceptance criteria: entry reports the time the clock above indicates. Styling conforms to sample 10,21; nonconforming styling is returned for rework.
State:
12,47
